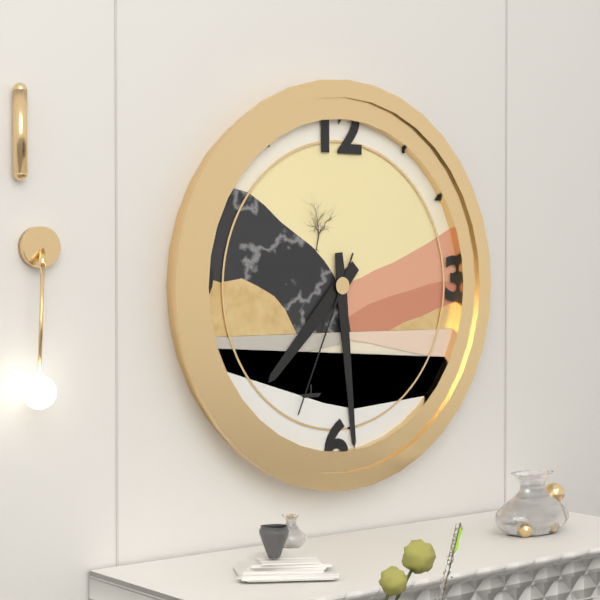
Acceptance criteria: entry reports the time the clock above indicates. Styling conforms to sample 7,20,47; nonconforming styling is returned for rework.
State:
7,29,34
